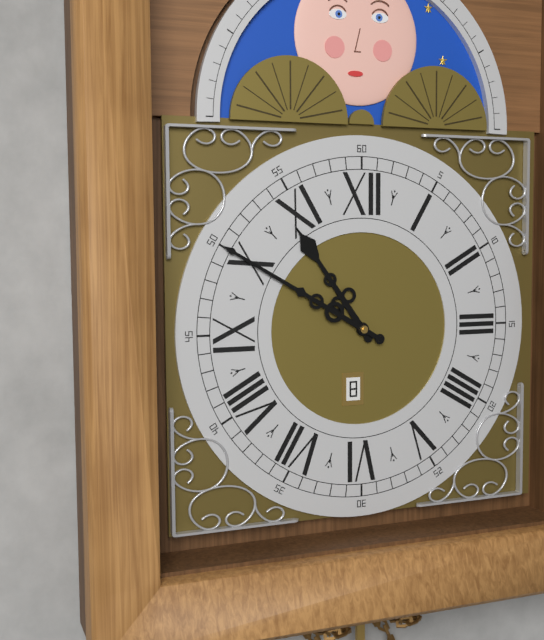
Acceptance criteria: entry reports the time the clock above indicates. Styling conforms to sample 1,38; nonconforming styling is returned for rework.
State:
10,50
